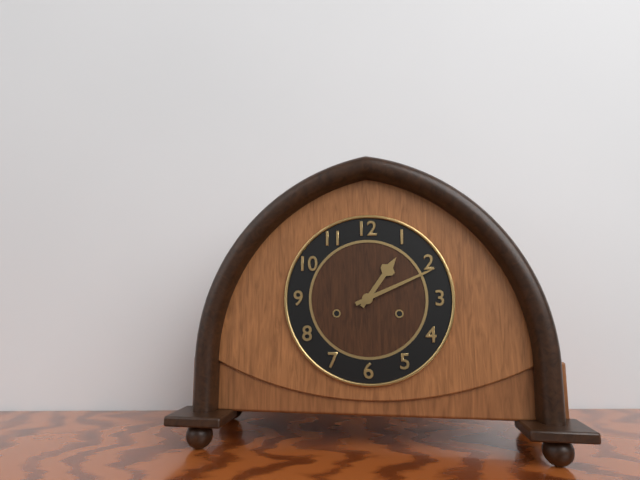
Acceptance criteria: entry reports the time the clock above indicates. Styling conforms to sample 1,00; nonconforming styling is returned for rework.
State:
1,11
